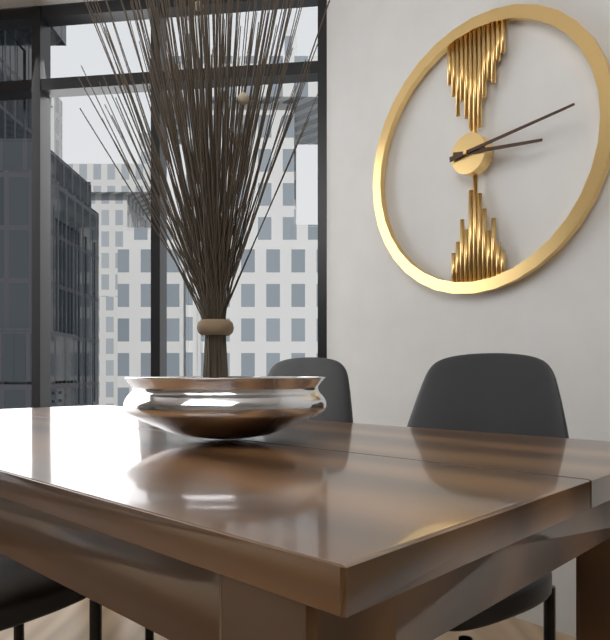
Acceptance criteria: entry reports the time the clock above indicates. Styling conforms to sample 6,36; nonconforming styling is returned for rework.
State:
3,14
